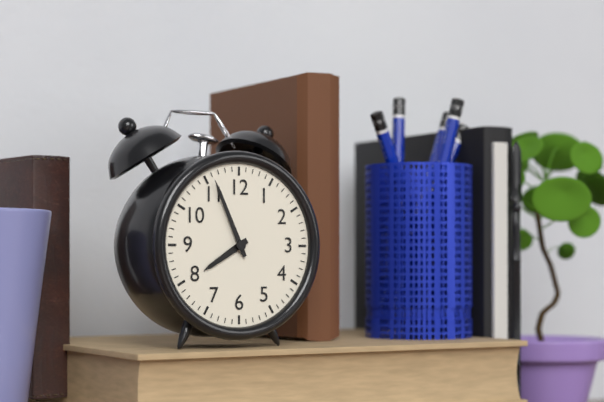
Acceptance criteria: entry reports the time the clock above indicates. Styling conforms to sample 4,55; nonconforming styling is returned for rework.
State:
7,56
